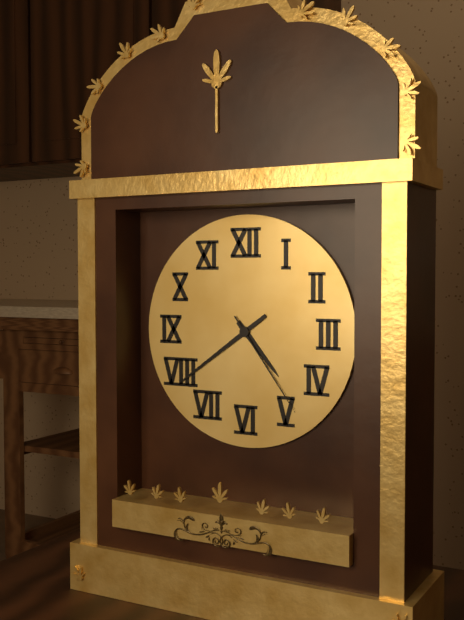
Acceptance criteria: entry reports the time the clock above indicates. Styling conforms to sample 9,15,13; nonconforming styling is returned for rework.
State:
4,39,24
